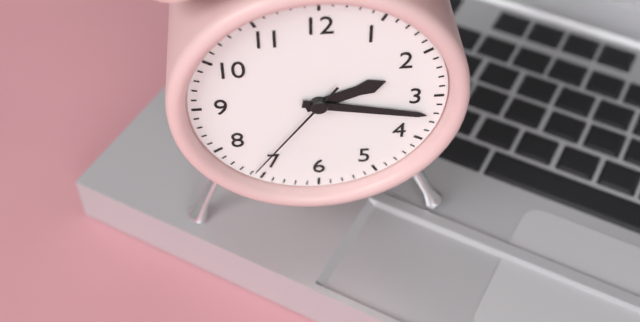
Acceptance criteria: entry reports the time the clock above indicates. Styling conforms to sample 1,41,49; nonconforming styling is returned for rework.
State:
2,17,36
